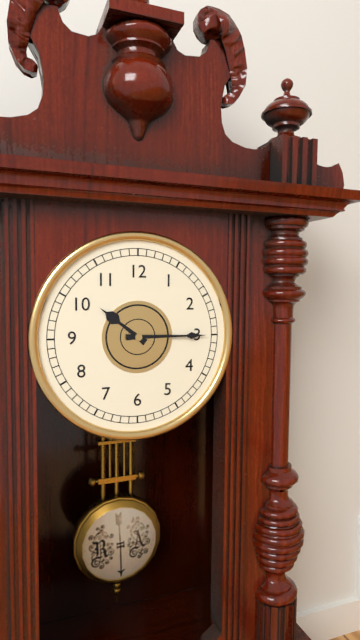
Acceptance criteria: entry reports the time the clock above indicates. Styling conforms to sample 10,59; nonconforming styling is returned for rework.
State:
10,15
